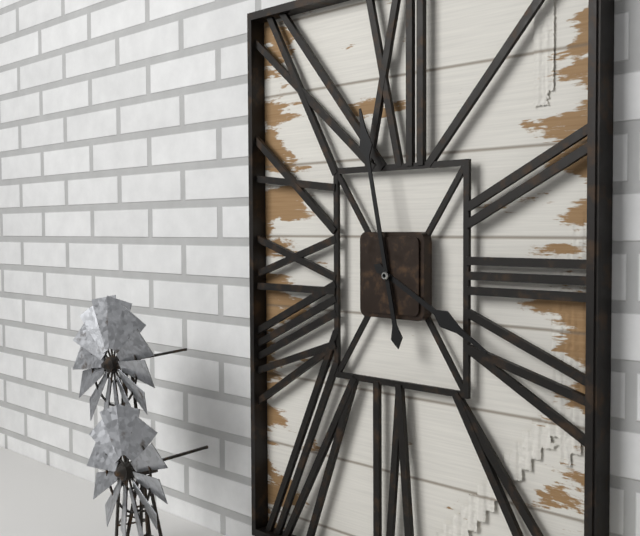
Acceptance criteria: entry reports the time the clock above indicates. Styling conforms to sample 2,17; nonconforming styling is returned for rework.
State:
3,58
